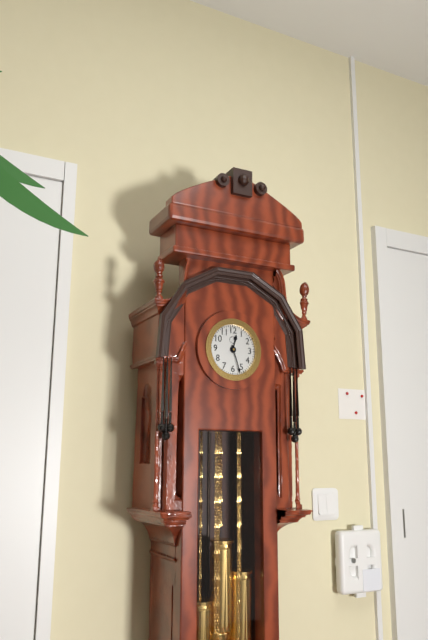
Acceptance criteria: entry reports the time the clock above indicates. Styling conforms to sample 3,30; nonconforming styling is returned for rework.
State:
12,27
